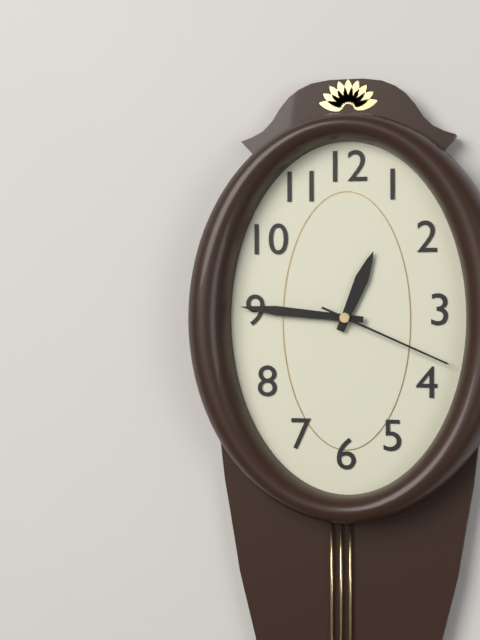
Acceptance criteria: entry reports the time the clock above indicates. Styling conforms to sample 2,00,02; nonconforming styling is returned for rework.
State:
12,46,19
